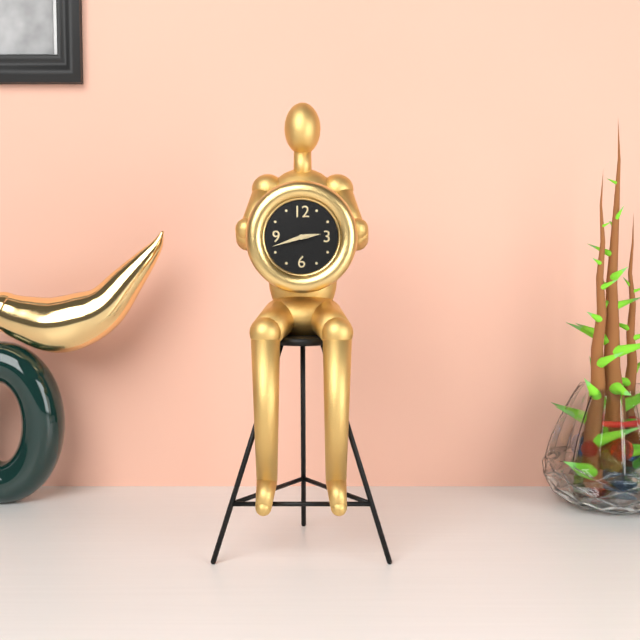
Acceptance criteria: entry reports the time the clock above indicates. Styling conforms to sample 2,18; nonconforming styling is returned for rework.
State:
2,42
